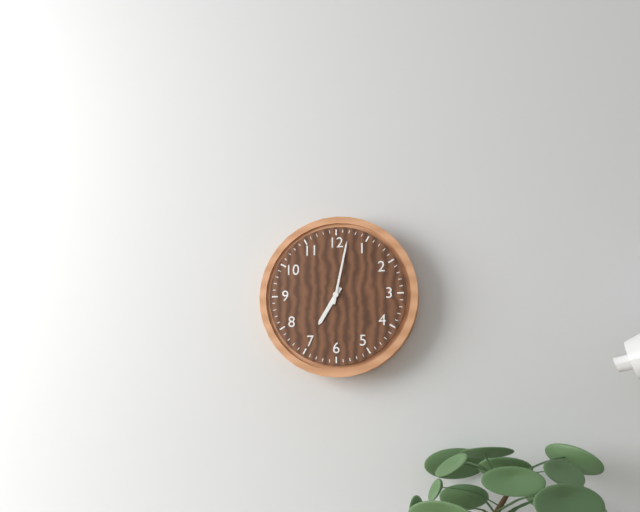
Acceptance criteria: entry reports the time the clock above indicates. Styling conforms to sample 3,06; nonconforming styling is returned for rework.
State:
7,02
